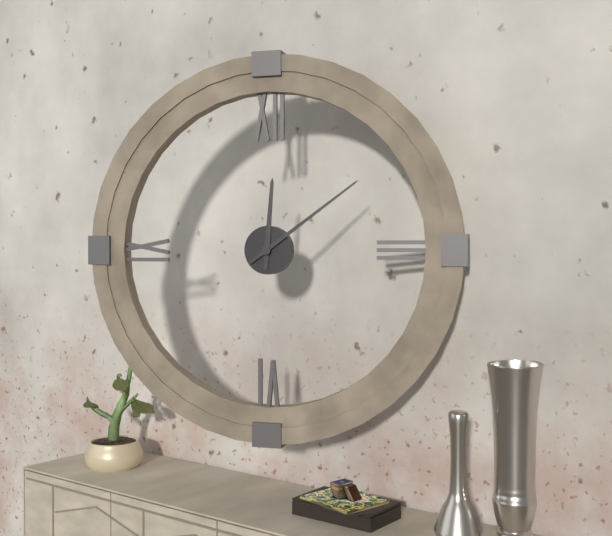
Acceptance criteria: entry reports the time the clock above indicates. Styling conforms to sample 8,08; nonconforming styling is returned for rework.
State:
12,09
